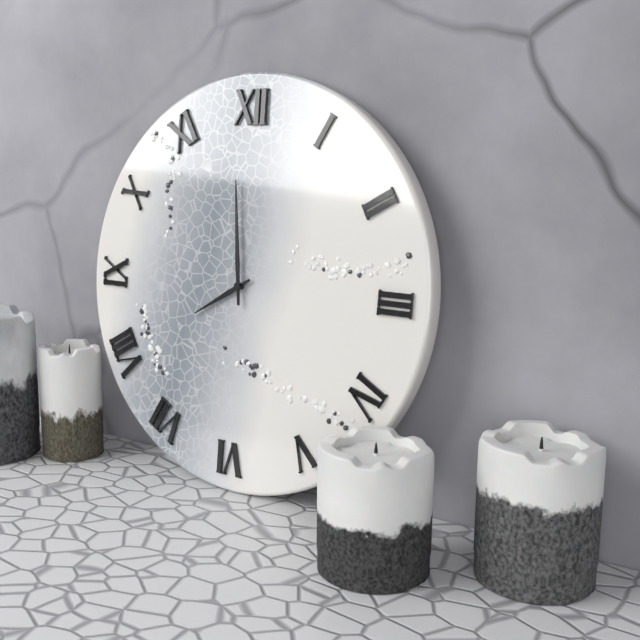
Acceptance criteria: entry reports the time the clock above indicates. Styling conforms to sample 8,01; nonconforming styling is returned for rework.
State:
7,59
